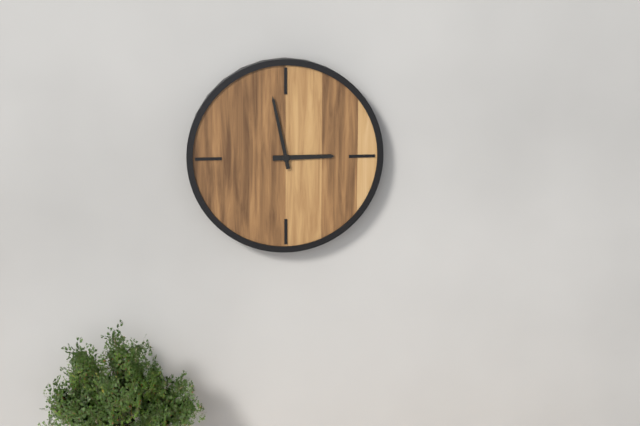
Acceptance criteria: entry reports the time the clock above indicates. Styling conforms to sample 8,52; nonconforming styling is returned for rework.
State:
2,58
